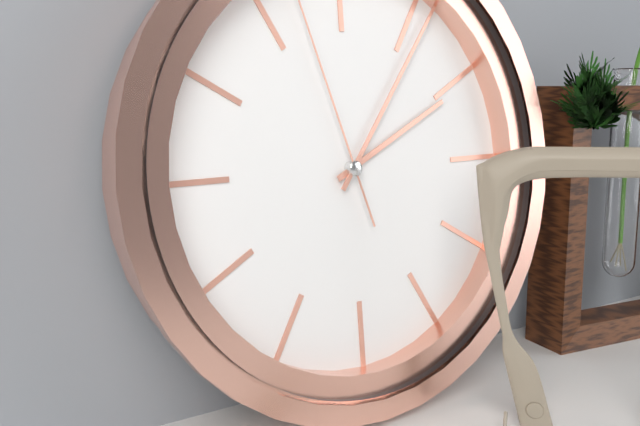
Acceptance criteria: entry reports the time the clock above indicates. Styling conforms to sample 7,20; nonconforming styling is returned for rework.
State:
2,06
